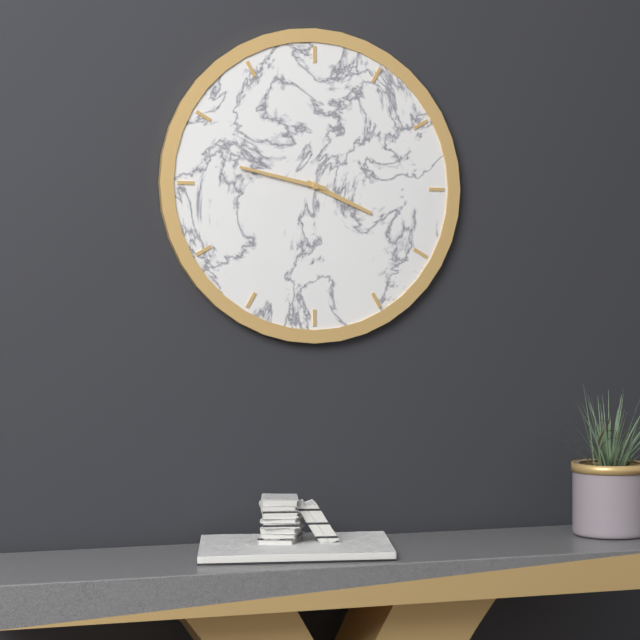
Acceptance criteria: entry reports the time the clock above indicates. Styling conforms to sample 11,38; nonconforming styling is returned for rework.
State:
3,47
